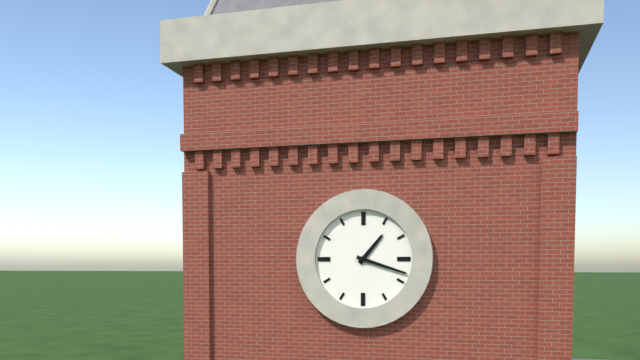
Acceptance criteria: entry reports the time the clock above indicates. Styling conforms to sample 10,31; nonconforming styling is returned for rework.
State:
1,18
